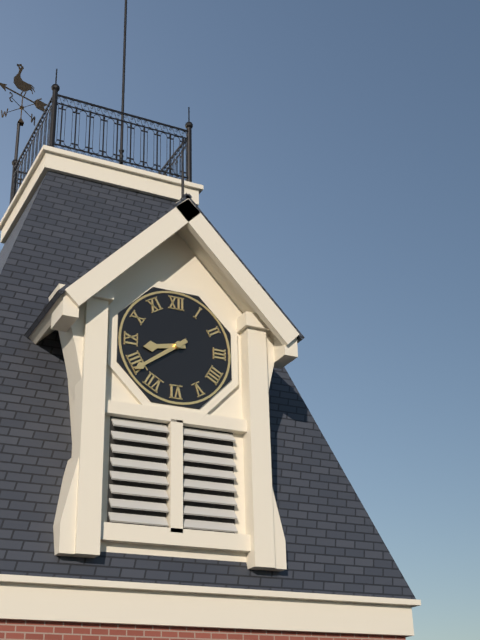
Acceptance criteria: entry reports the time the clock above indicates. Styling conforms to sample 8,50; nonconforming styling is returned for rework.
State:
8,39
